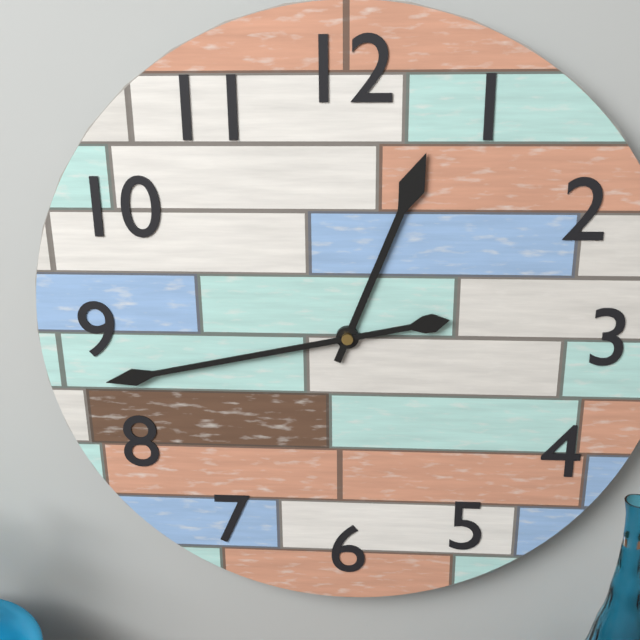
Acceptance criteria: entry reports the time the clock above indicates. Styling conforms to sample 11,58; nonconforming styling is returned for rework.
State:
12,43
